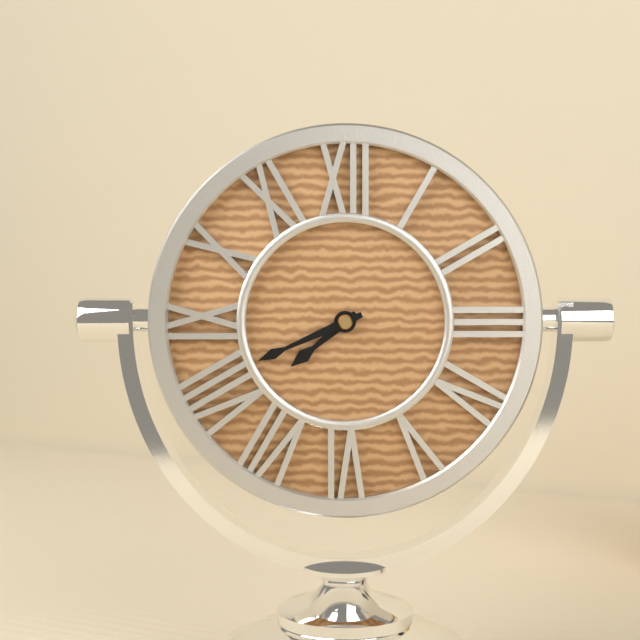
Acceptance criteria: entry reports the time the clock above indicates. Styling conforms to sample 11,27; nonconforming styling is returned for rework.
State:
7,41
